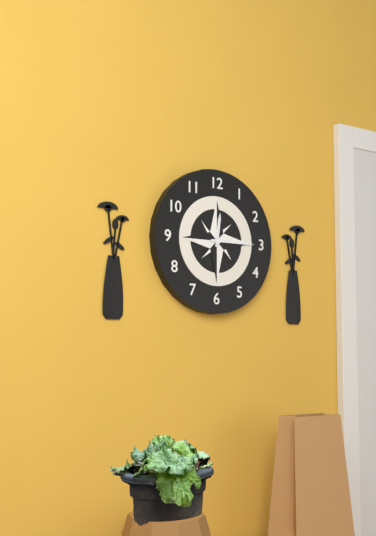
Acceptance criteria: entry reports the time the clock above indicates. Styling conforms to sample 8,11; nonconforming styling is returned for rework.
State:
12,15
